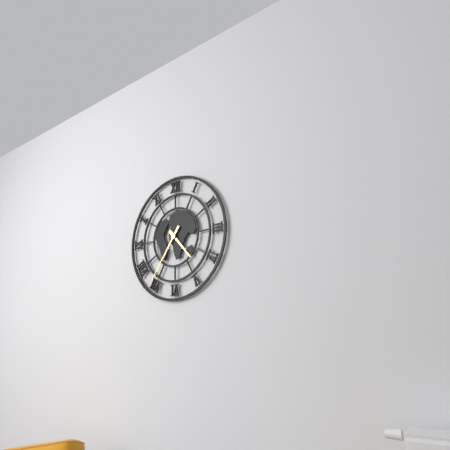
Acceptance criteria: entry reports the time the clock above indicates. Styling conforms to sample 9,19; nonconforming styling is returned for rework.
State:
4,36
